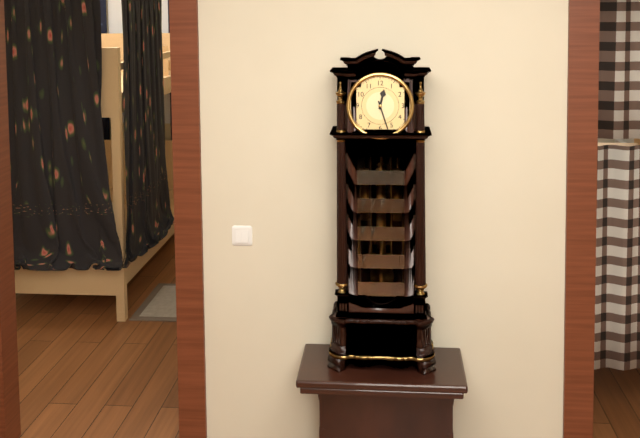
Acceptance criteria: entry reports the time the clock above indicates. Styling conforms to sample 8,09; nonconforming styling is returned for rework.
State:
12,27
